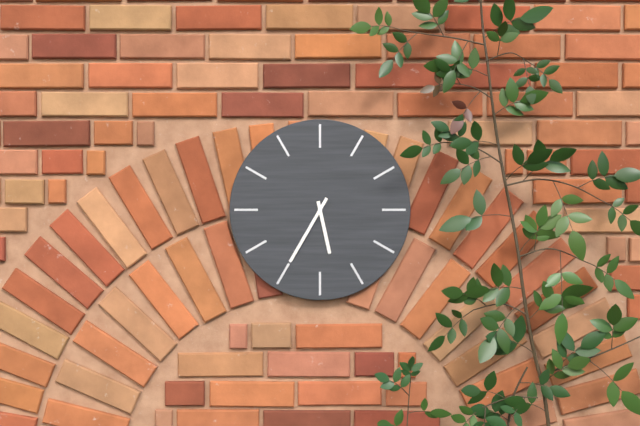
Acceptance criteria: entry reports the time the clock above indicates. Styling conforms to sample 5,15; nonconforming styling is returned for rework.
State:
5,35
